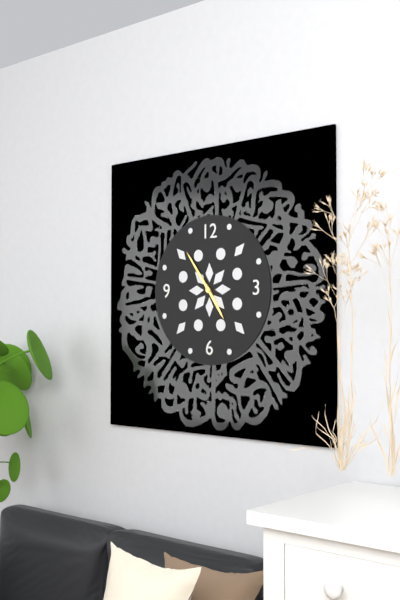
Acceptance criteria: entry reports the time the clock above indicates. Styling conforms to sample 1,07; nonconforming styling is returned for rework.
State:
4,54
